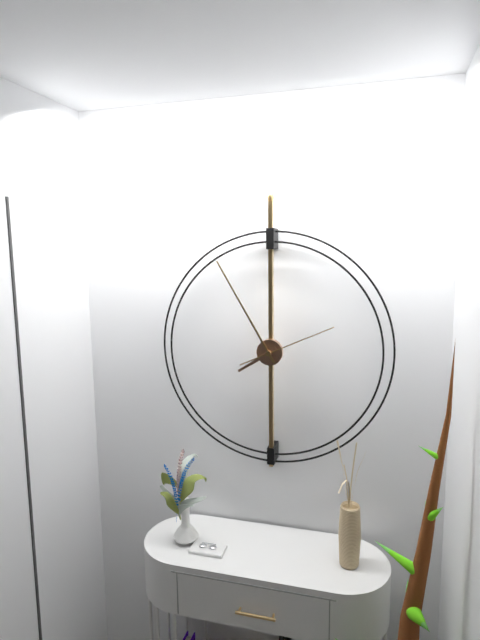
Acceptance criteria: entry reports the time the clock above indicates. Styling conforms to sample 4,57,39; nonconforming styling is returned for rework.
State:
7,55,11
